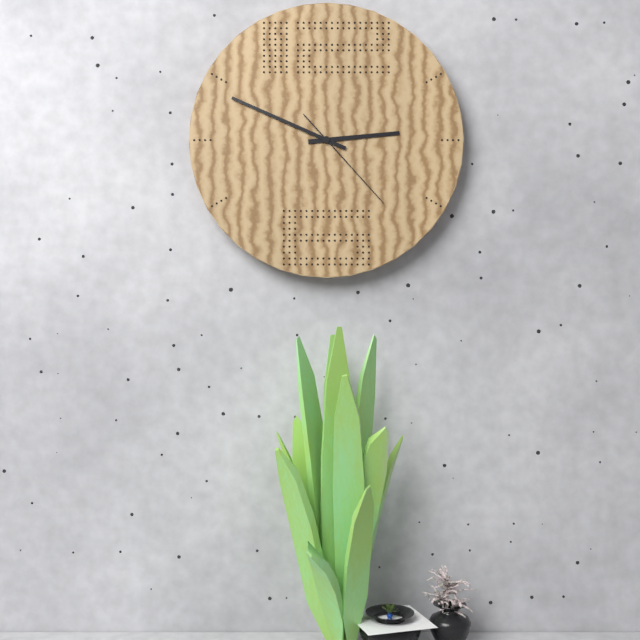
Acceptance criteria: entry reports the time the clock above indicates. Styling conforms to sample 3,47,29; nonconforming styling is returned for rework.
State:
2,49,23
